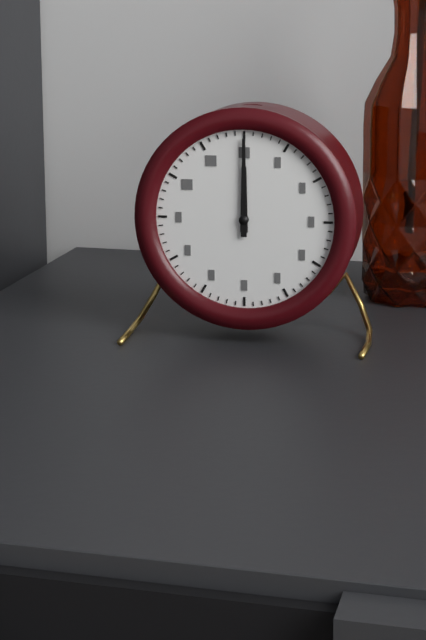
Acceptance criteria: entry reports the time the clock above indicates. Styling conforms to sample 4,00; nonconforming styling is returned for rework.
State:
12,00
